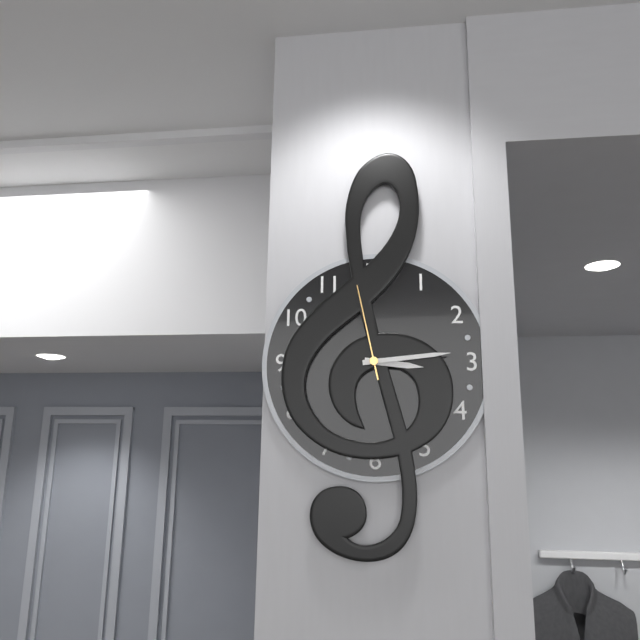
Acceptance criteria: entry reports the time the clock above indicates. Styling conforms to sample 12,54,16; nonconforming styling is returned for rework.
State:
3,14,58
